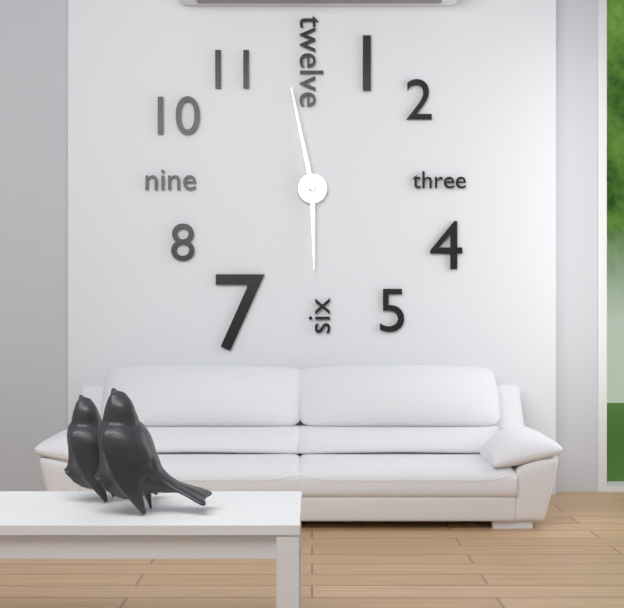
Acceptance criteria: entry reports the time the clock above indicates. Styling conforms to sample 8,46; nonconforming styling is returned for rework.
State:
5,58
